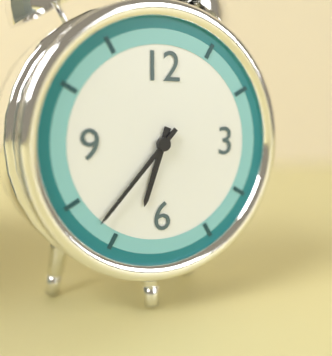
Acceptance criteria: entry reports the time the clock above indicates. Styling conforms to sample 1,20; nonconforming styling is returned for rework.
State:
6,37
